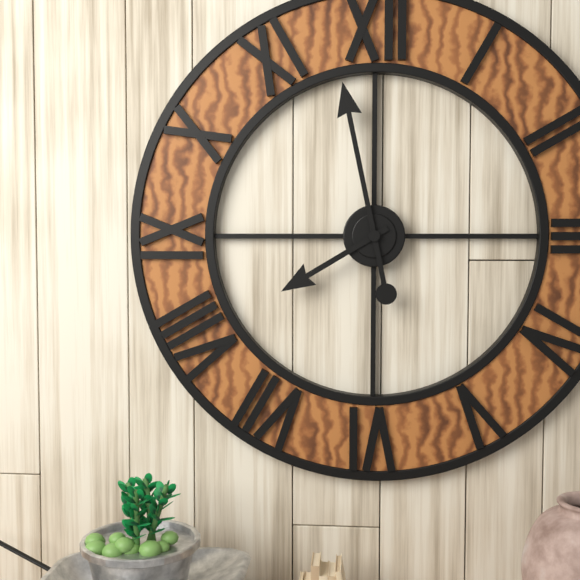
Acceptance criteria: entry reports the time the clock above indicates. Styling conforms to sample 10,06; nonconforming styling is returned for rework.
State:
7,58
